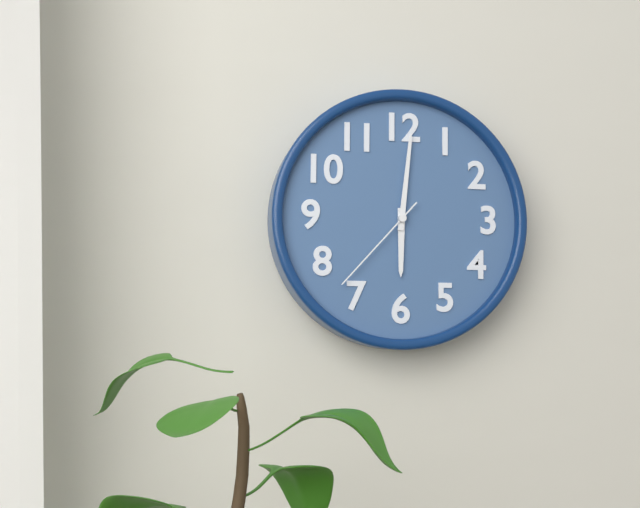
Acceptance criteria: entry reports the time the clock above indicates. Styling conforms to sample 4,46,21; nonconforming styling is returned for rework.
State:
6,01,37
